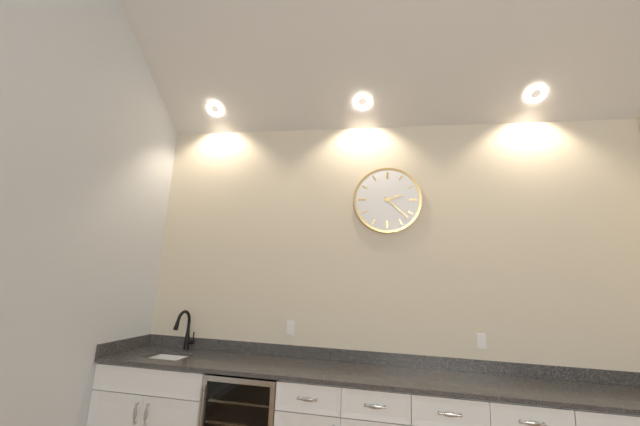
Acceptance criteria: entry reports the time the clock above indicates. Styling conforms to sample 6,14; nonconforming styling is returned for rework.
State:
2,22
